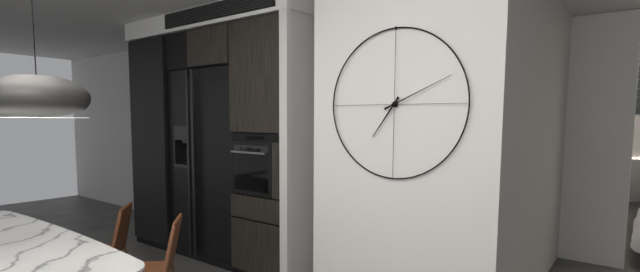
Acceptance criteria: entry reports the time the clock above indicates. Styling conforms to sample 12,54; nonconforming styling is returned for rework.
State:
7,11
